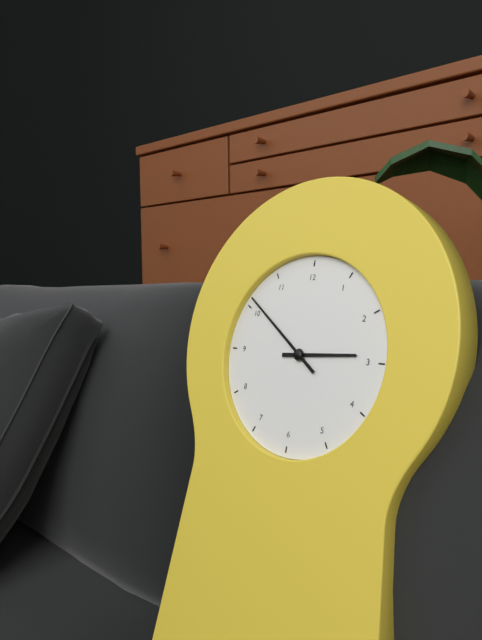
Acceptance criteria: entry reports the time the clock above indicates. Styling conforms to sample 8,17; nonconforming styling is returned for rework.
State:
2,51
